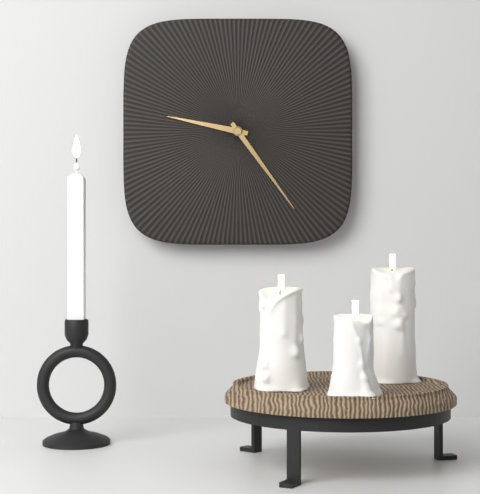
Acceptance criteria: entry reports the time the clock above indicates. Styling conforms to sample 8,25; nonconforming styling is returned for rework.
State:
9,24
